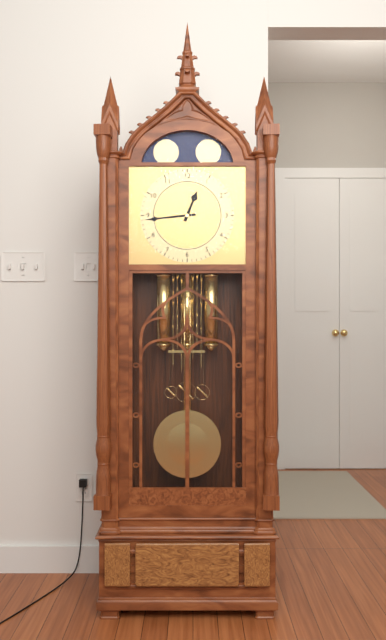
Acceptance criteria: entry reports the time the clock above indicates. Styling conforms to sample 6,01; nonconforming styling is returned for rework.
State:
12,44
